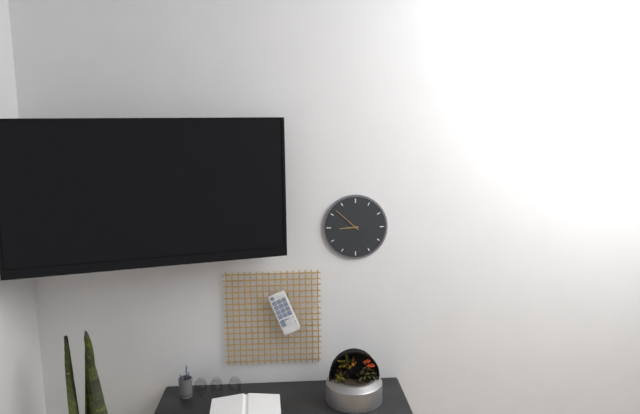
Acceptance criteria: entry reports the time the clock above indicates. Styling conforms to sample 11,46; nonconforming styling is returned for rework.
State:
8,52
